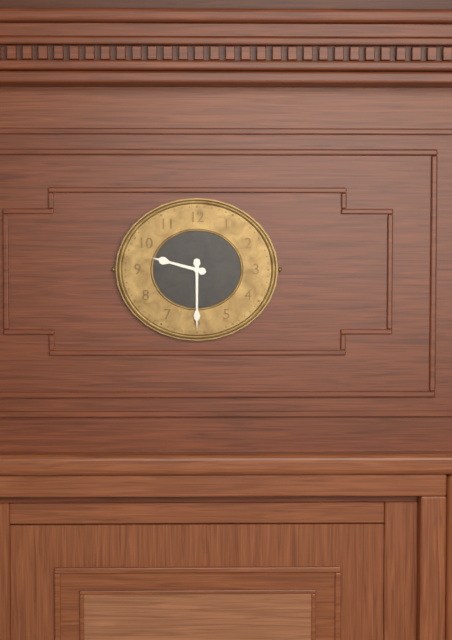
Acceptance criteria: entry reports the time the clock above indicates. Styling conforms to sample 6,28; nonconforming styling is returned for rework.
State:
9,30
